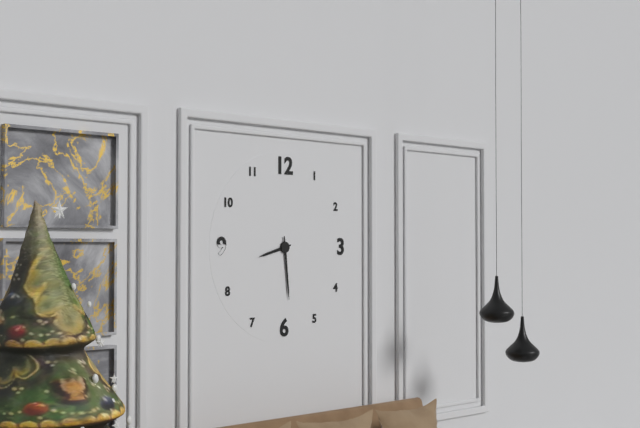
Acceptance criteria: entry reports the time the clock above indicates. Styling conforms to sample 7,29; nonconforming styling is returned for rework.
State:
8,29
